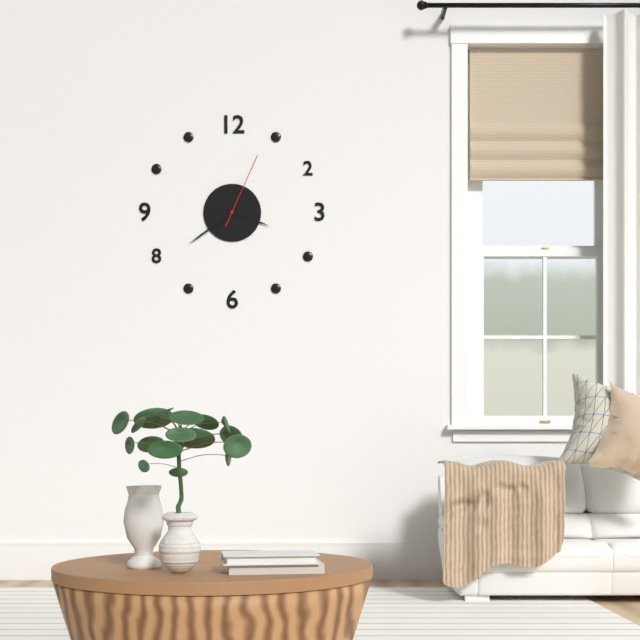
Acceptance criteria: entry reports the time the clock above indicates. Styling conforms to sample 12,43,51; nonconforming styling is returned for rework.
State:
3,39,04
